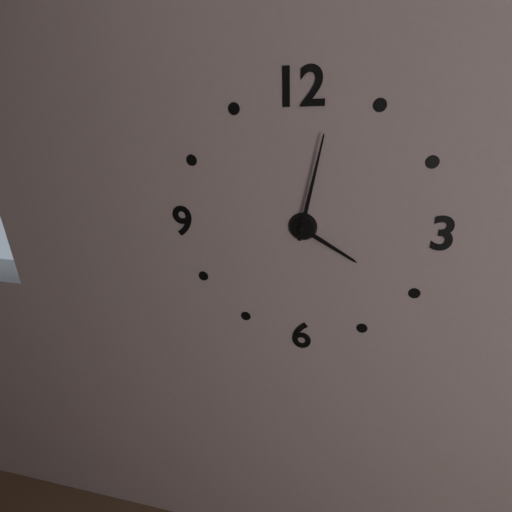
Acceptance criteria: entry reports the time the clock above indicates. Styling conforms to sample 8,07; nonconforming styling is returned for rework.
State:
4,02
